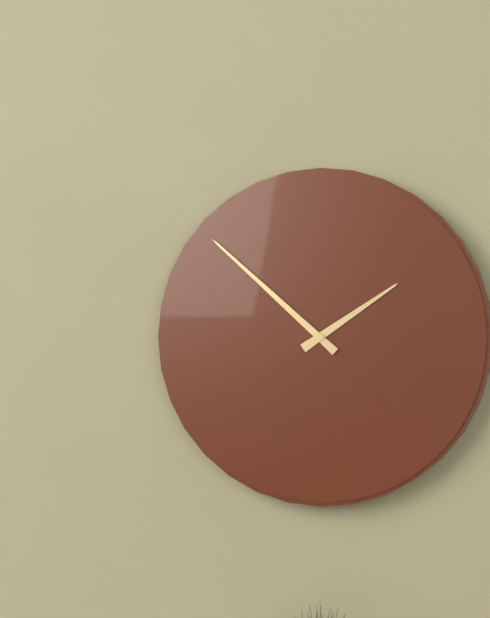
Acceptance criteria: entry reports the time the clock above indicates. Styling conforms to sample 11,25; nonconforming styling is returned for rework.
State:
1,52
